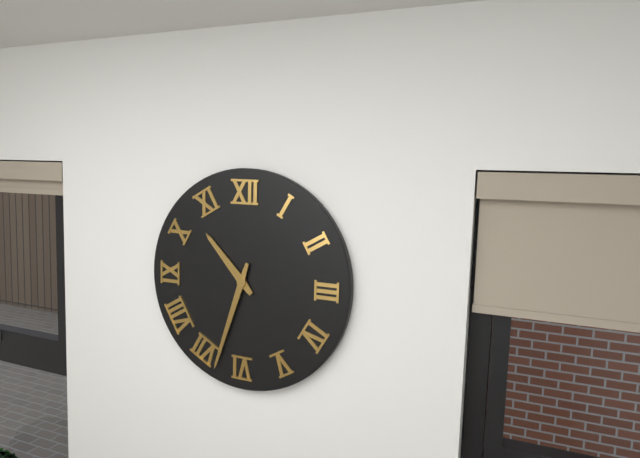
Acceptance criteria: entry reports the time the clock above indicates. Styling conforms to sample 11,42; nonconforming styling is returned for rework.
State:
10,33
